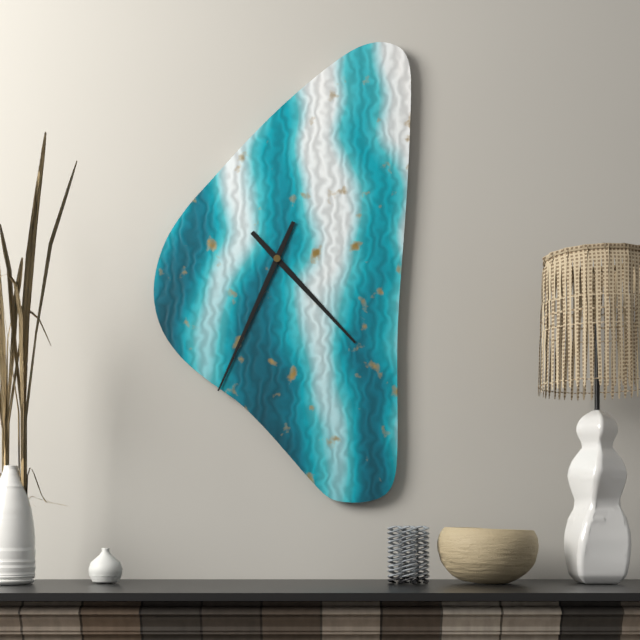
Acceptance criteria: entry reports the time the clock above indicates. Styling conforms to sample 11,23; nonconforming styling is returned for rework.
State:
4,34
